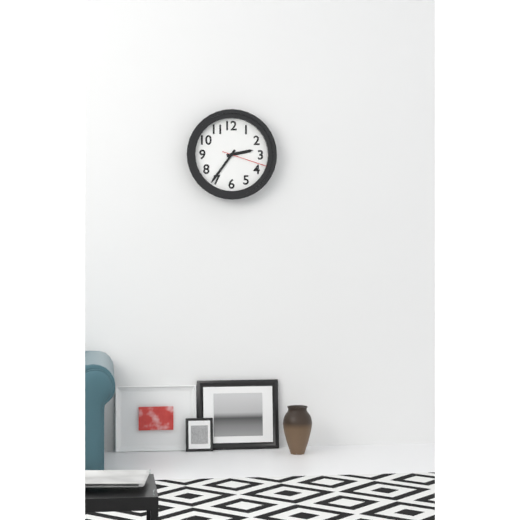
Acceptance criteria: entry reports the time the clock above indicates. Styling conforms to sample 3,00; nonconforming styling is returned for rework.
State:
2,36
